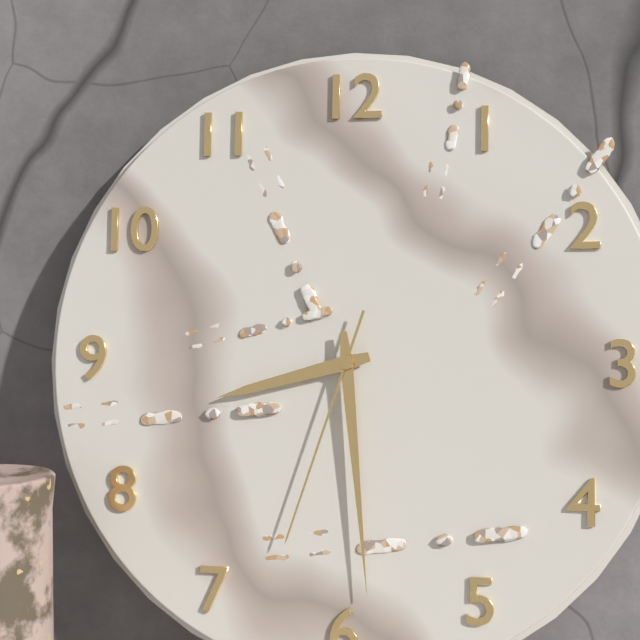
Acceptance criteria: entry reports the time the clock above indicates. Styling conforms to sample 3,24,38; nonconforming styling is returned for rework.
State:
8,29,33
